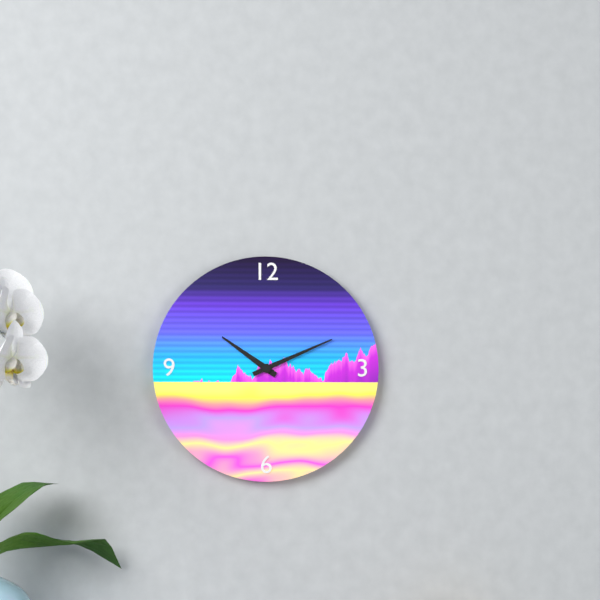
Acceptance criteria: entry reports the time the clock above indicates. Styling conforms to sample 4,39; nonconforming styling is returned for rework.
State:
10,11
